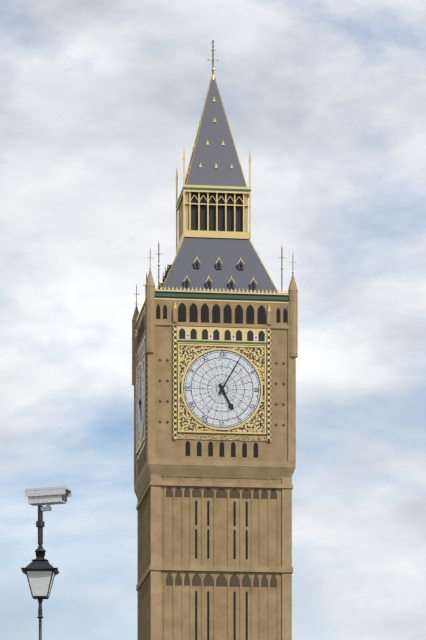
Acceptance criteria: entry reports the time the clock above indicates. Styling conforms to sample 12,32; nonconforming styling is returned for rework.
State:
5,05
